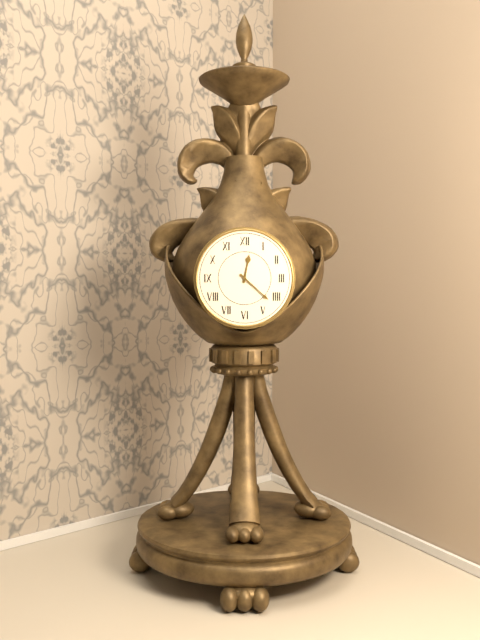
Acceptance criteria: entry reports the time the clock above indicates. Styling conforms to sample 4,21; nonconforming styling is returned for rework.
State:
12,22
